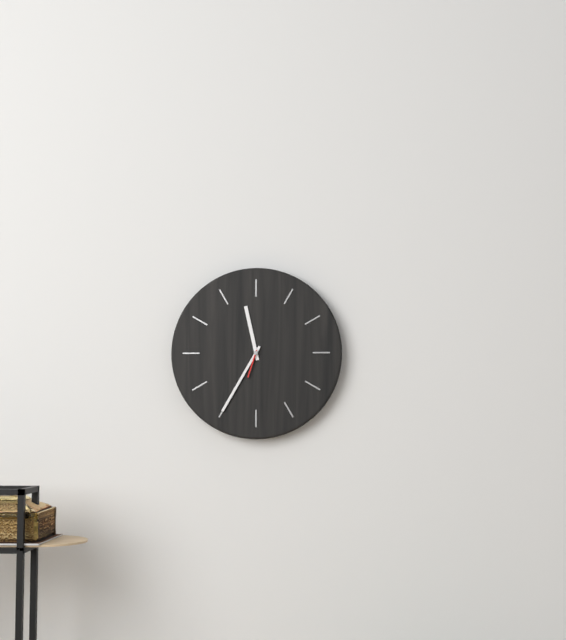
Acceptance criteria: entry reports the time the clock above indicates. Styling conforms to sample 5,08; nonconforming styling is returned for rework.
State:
11,35
